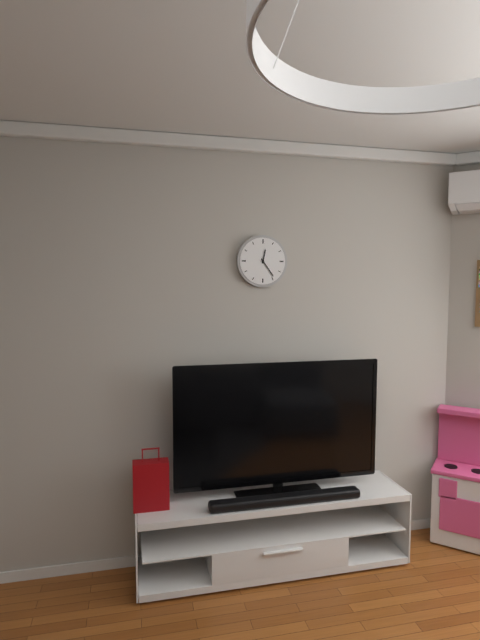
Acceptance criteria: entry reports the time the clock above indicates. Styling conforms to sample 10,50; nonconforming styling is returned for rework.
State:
12,24
